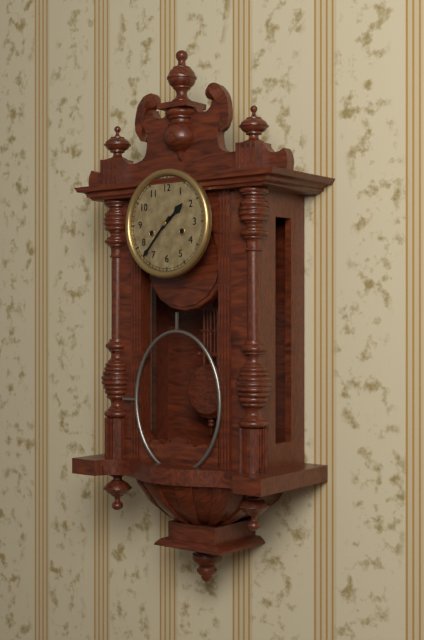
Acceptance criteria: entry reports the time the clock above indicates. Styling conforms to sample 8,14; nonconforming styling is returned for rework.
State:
1,37
